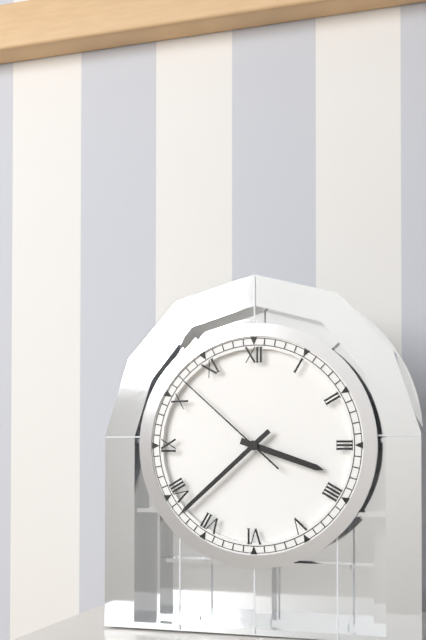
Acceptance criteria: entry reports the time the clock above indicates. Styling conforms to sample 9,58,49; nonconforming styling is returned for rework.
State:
3,38,52
